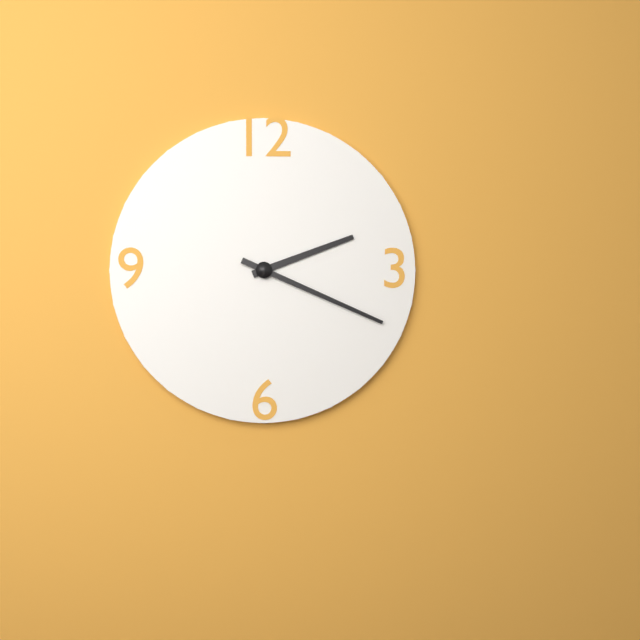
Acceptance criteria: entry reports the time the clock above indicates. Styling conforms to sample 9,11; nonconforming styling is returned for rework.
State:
2,19
